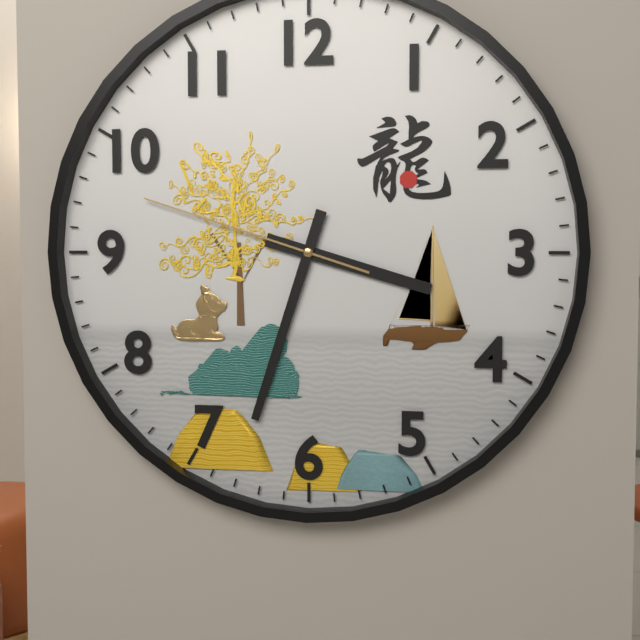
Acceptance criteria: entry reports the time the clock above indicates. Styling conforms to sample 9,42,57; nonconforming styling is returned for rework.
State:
3,33,48
